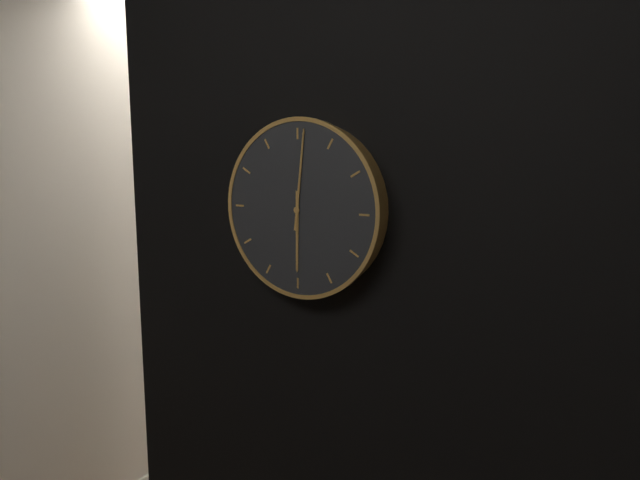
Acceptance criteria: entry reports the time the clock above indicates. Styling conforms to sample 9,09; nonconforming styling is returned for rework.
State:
6,01
